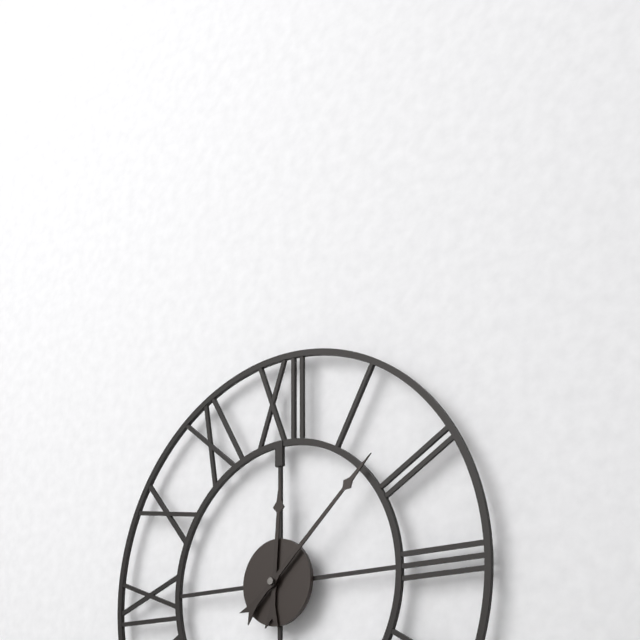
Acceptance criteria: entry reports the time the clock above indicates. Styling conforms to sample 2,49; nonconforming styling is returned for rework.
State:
12,08
